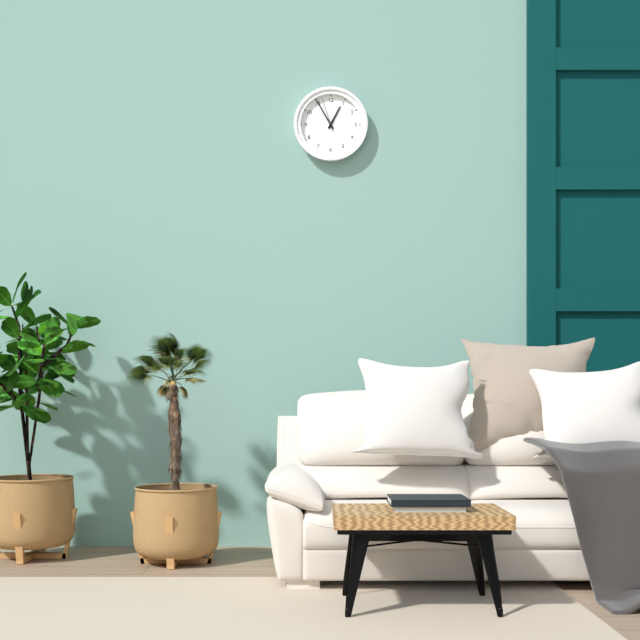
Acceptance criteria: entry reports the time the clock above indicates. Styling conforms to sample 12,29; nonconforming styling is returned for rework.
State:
12,55
